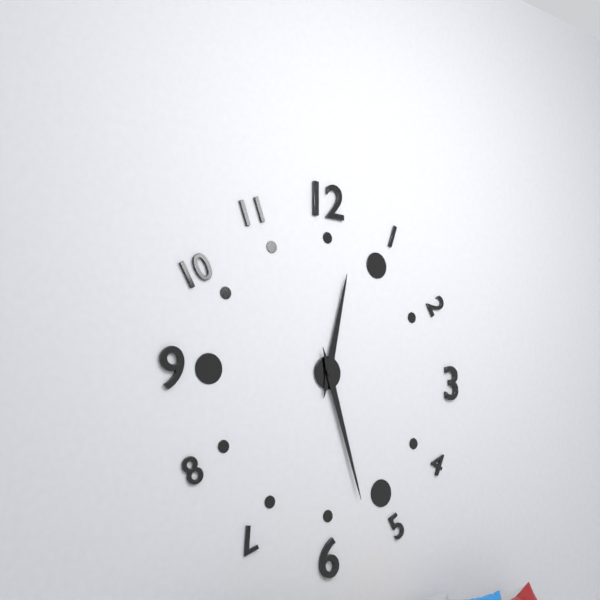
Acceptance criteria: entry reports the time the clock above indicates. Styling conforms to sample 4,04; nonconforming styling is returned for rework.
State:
12,27
